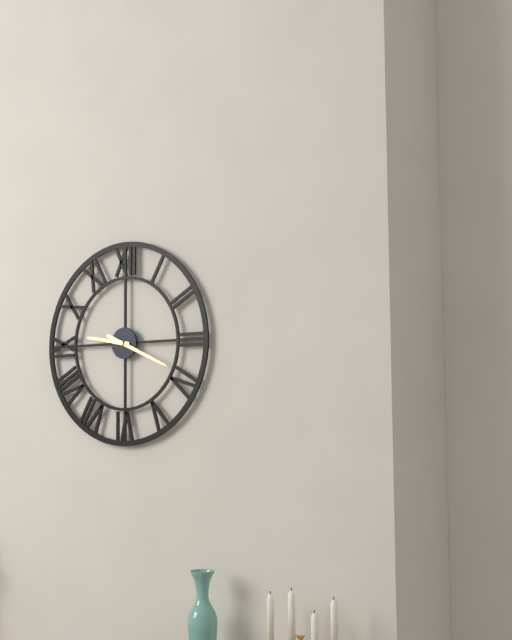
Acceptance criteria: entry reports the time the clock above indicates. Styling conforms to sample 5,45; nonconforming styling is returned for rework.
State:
9,19
